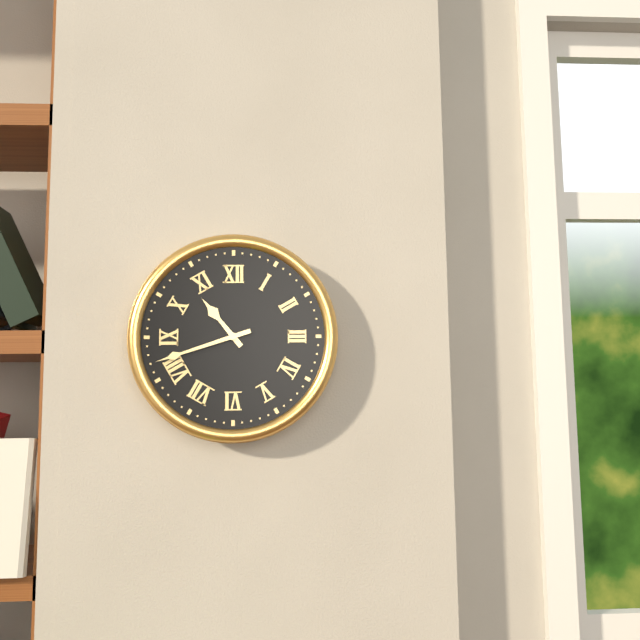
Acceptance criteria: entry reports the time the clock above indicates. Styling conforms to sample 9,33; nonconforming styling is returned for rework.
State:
10,42
